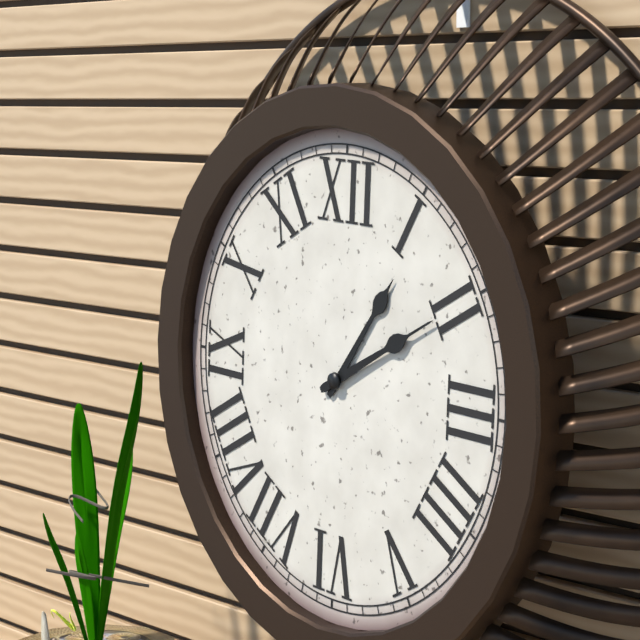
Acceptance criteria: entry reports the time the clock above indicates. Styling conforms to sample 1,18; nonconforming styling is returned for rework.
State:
1,10
